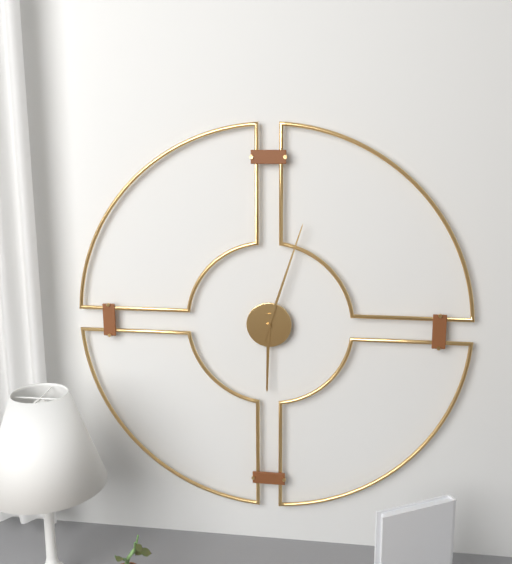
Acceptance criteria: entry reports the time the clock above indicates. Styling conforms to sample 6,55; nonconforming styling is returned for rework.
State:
6,03
